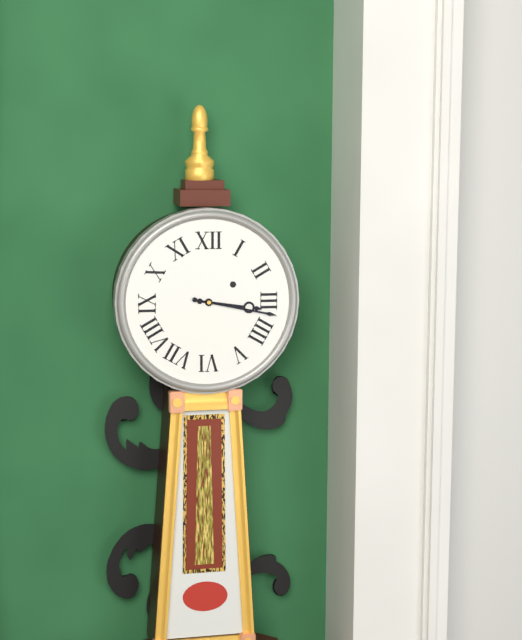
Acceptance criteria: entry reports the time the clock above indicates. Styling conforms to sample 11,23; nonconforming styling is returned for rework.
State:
3,17
